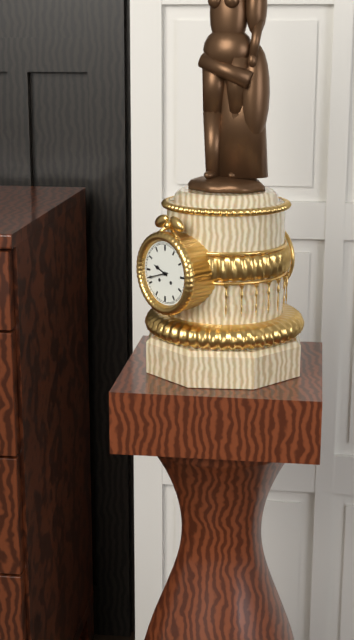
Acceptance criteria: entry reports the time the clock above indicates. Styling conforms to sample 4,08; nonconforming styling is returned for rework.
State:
9,42
